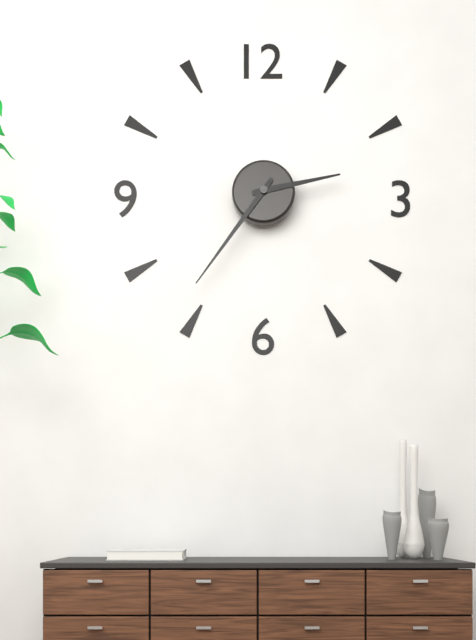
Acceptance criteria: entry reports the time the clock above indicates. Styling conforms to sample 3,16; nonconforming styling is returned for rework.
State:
2,36
